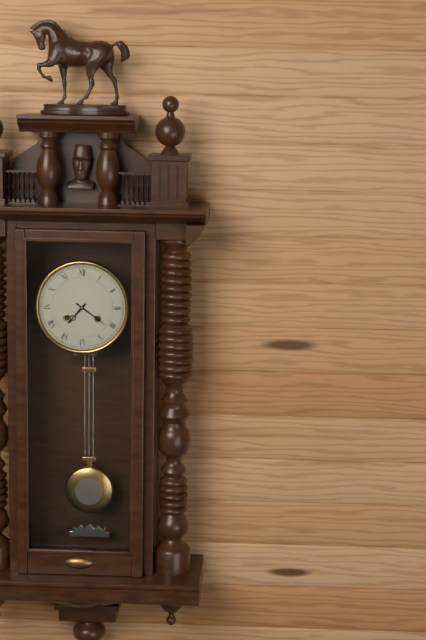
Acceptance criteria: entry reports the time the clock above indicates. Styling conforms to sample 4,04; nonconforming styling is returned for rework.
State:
7,21
